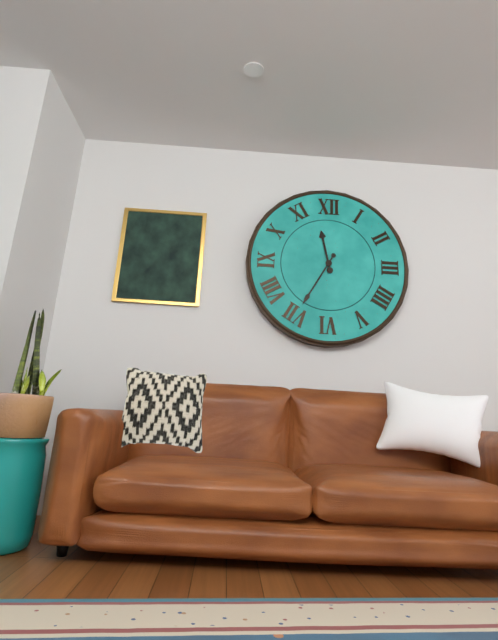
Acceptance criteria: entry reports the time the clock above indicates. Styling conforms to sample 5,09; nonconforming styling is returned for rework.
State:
11,35
